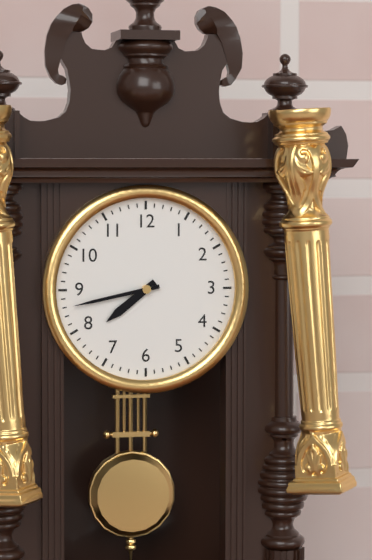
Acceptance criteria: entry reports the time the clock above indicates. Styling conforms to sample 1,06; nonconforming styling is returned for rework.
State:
7,43
